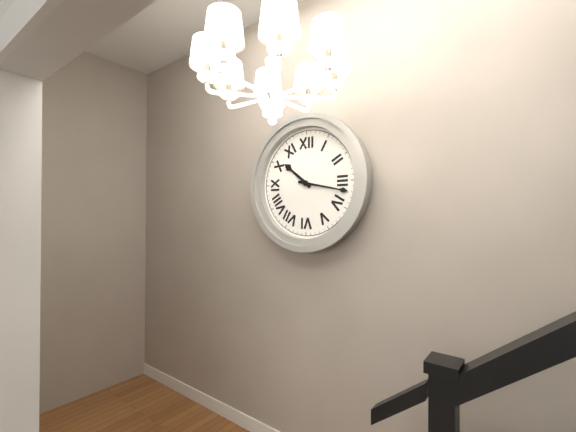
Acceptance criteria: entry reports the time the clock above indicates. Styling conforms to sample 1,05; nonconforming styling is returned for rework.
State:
10,17
